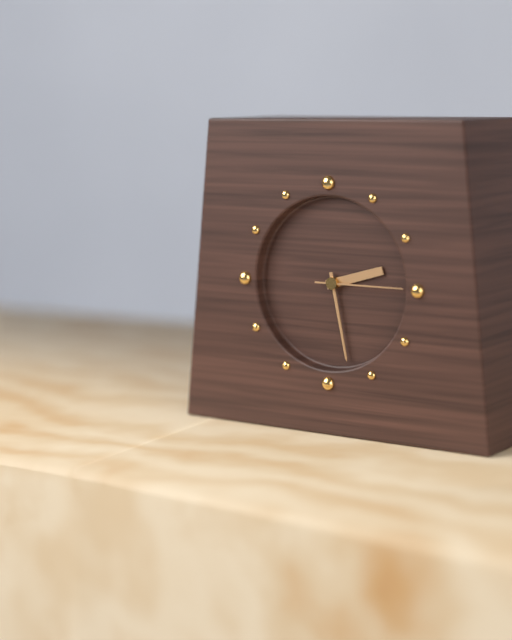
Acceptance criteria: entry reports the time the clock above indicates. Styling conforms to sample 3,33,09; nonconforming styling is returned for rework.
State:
2,28,15
